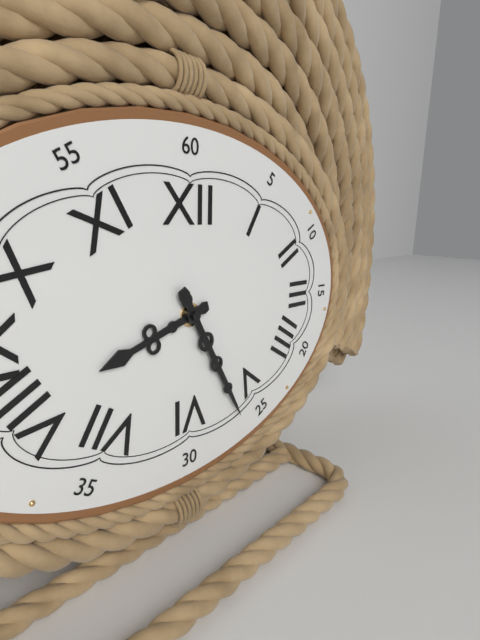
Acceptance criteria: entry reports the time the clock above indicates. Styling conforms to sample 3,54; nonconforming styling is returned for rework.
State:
8,25
